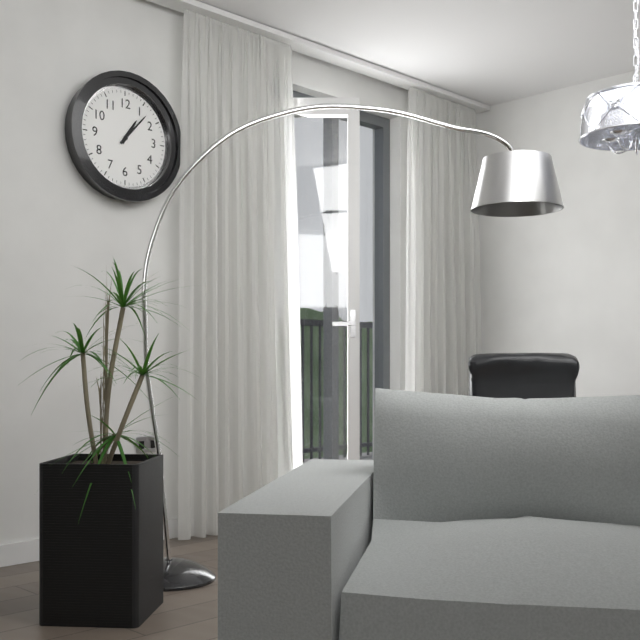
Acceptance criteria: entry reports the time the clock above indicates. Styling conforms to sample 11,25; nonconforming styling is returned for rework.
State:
1,07
